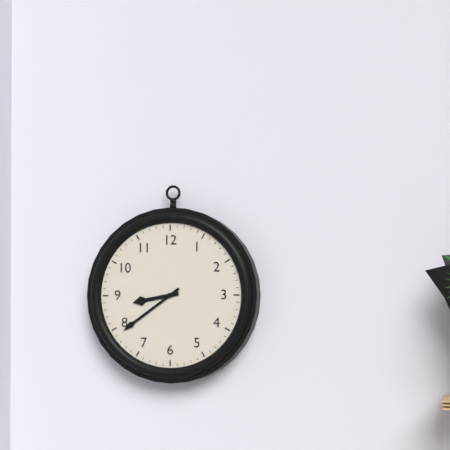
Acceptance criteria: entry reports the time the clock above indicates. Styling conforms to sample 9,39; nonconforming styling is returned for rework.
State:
8,39
